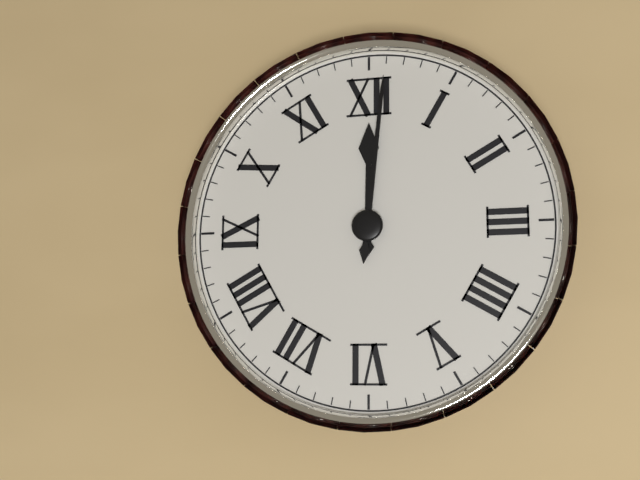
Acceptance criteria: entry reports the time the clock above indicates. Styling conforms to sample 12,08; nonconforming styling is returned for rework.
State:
12,01
